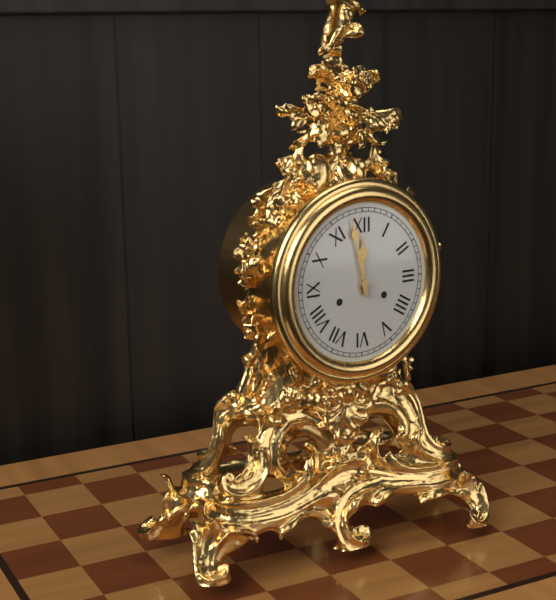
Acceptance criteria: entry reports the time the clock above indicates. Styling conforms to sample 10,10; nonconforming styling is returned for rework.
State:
11,58
